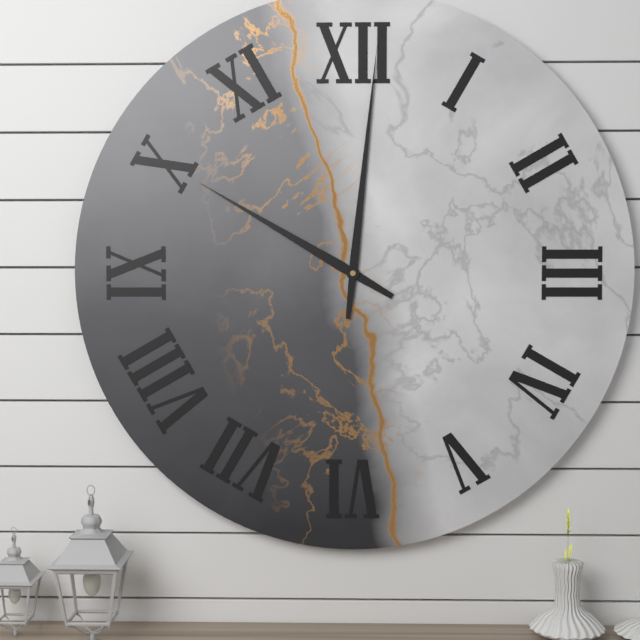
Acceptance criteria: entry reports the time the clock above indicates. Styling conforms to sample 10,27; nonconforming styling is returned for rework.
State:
10,01
